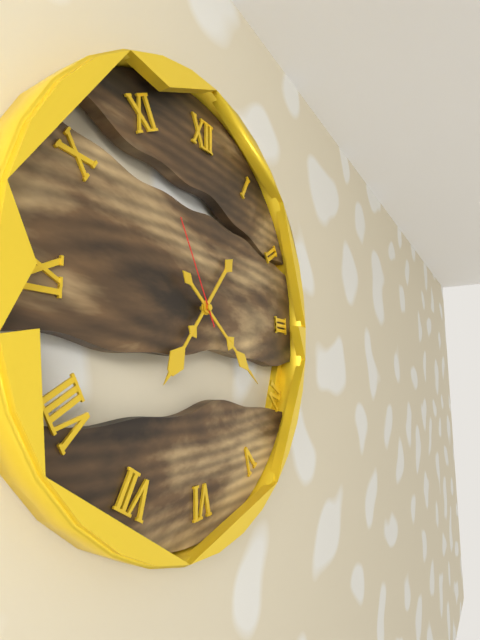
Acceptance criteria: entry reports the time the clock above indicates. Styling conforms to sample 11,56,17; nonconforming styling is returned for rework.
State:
7,21,55
